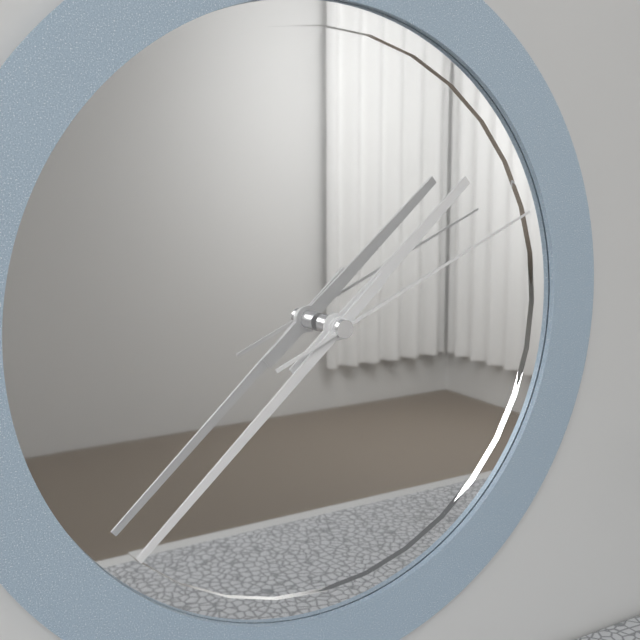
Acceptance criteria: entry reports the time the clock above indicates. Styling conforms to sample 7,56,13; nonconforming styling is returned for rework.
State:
1,38,11
